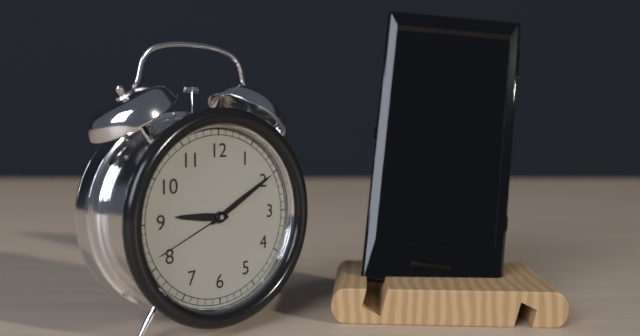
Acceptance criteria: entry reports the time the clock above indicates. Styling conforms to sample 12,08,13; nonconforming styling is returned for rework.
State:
9,10,41
